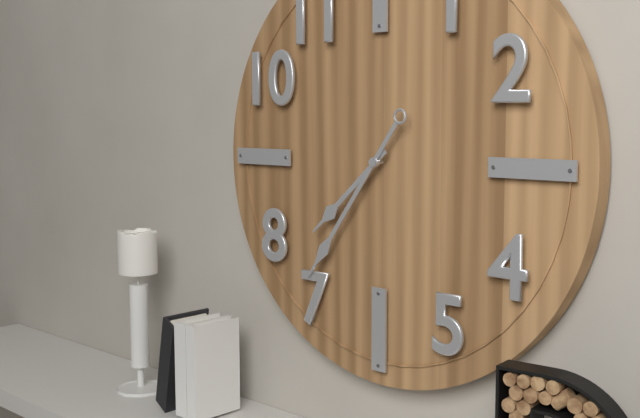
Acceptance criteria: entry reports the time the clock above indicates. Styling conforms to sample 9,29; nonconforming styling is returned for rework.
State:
7,36
